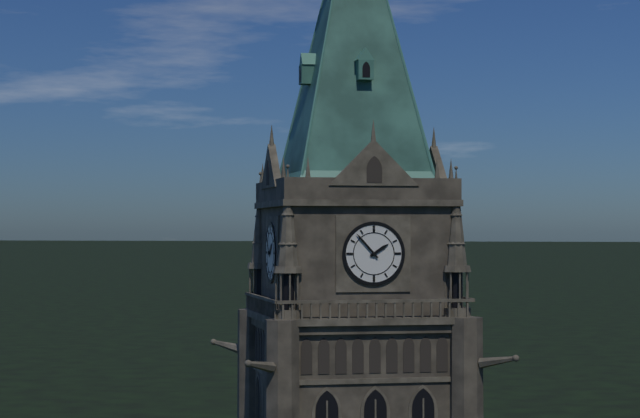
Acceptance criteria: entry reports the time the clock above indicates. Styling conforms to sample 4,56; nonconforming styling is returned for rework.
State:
1,53
